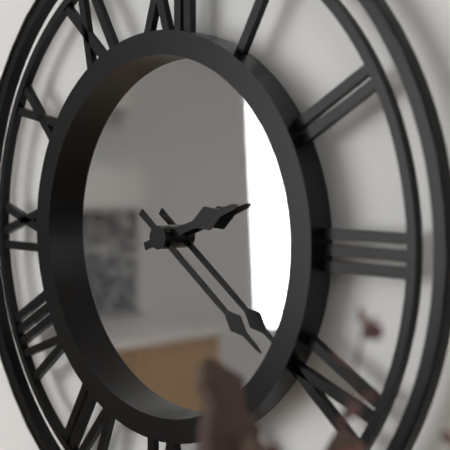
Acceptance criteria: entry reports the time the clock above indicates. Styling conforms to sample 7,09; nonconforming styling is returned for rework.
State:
2,21
